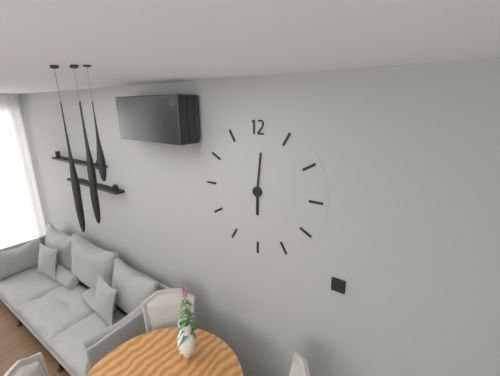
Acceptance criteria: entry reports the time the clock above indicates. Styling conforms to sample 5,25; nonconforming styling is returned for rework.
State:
6,01
